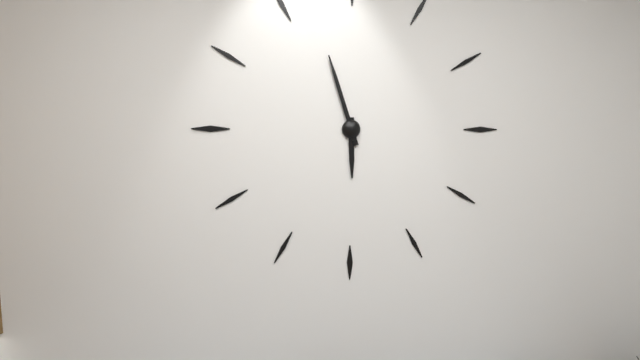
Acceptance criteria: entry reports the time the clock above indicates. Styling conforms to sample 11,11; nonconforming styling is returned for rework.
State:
5,57
